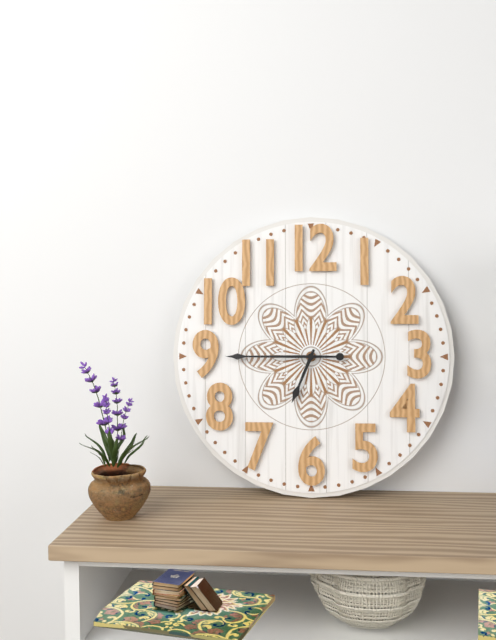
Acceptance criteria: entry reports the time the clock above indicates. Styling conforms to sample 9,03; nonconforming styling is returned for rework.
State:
6,45
